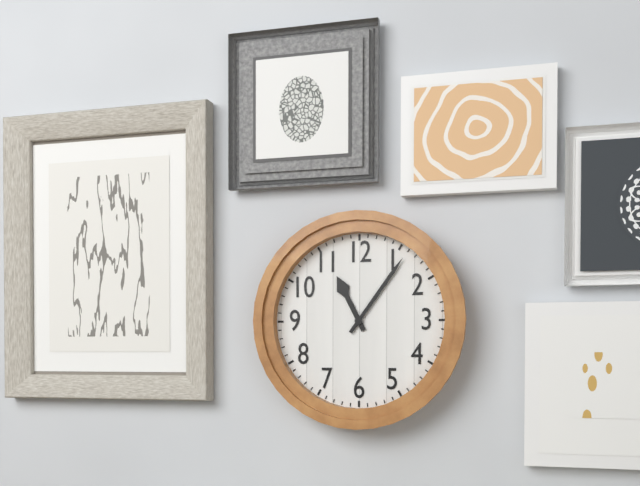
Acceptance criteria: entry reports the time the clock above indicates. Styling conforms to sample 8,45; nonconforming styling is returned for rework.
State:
11,06
